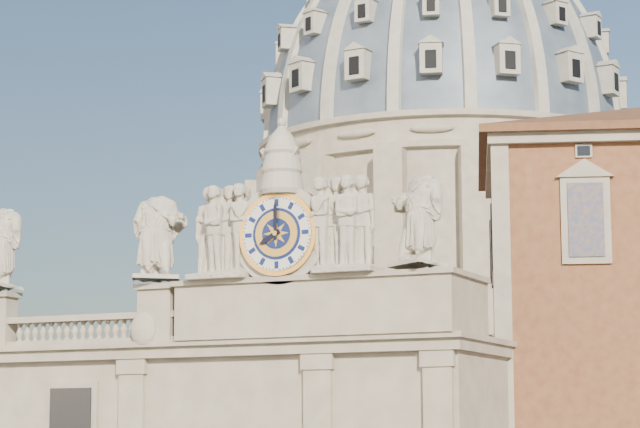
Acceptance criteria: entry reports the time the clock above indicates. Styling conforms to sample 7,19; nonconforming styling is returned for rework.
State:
8,00
